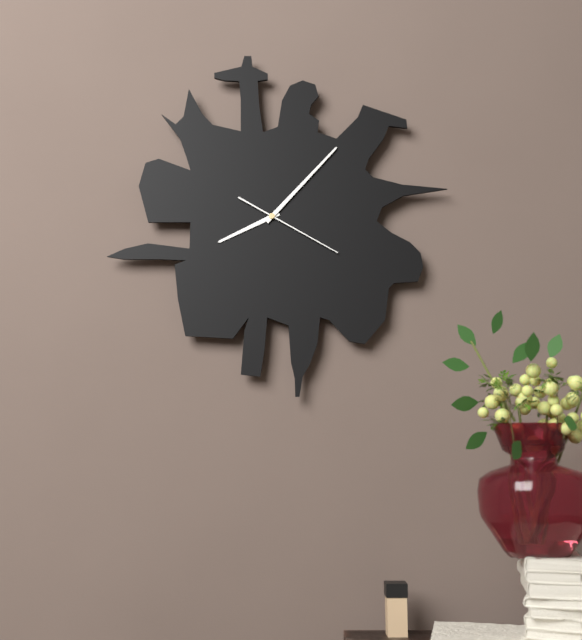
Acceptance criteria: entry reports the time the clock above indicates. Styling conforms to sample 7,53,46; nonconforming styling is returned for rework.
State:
8,07,20
